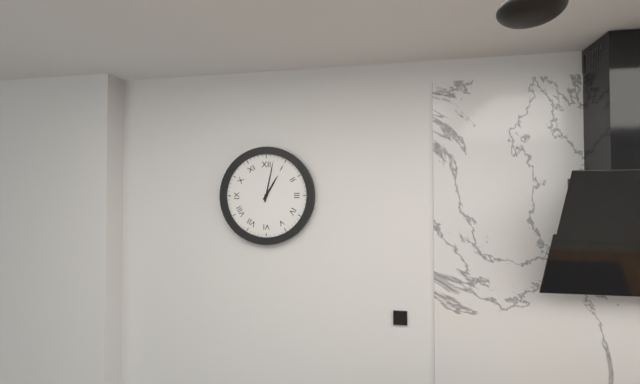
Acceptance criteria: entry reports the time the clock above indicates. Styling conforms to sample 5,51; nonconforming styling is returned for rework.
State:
1,02
